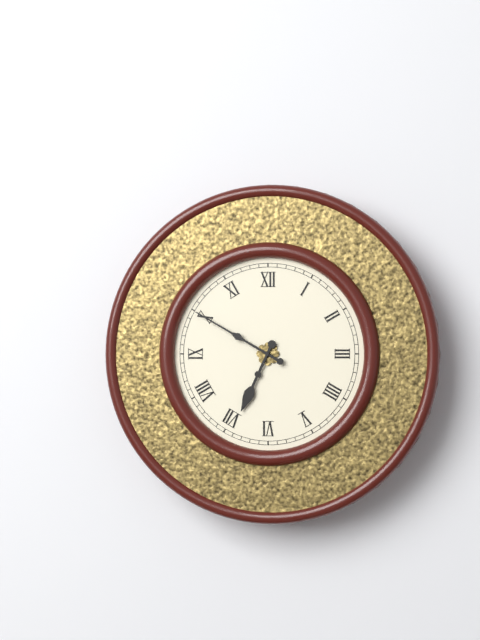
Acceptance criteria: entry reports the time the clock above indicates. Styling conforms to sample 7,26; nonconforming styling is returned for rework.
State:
6,50
